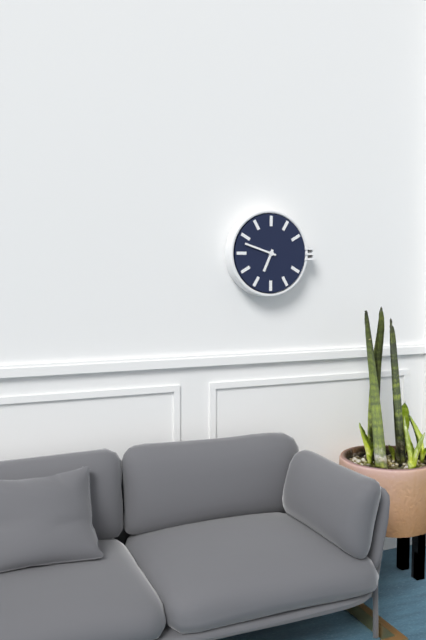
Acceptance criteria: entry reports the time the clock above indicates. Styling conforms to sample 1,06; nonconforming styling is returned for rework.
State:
6,48
